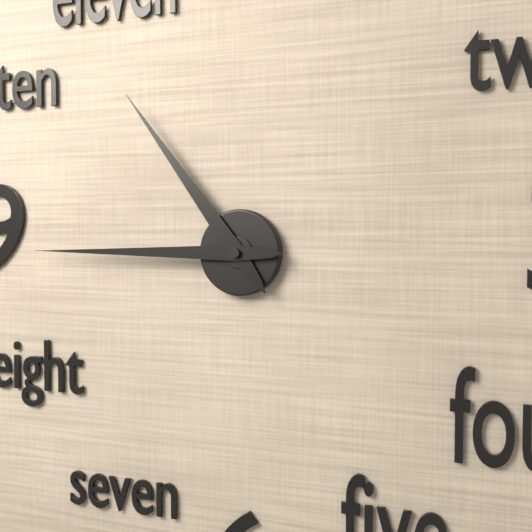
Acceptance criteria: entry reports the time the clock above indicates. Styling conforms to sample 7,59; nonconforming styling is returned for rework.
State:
10,45
